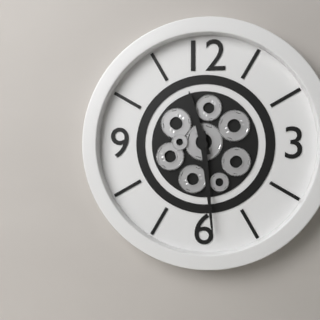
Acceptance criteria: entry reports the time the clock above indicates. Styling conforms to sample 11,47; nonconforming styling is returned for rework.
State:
11,29
